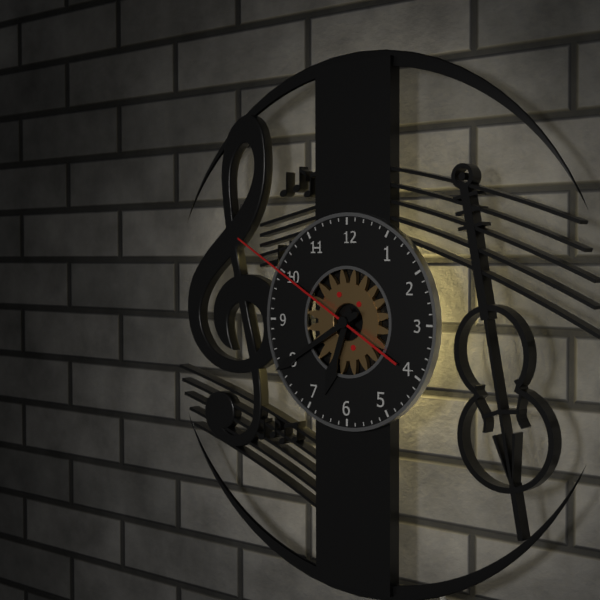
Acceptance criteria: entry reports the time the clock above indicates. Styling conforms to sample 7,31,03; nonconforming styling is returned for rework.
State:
6,40,50
